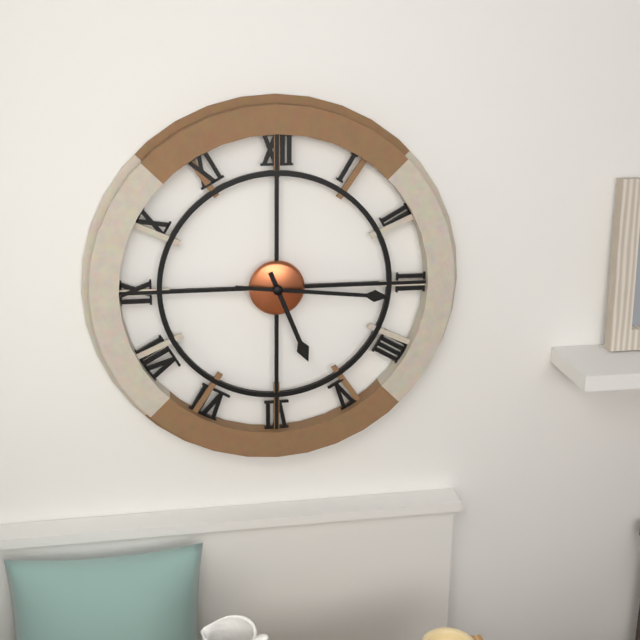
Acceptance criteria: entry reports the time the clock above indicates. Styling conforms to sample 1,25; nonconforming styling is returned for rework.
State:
5,16
